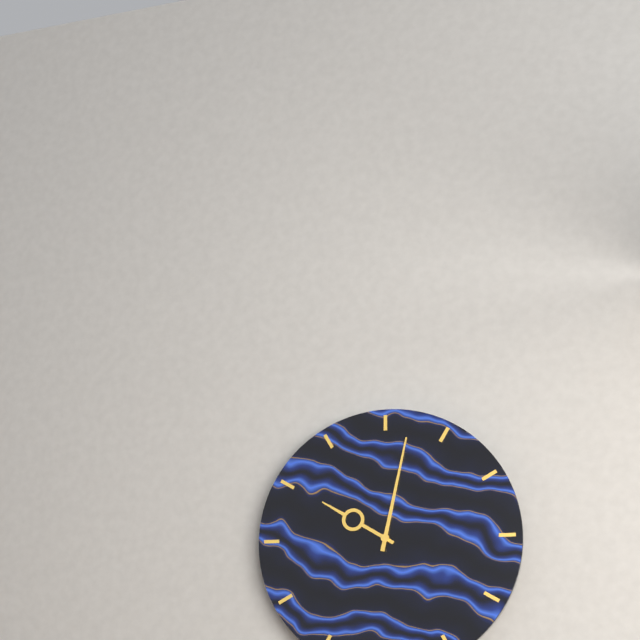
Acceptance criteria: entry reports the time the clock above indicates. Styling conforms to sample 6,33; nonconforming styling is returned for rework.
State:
10,02
